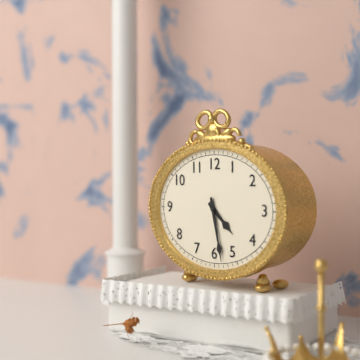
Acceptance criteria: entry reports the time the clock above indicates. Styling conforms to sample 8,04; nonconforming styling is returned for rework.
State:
4,28
